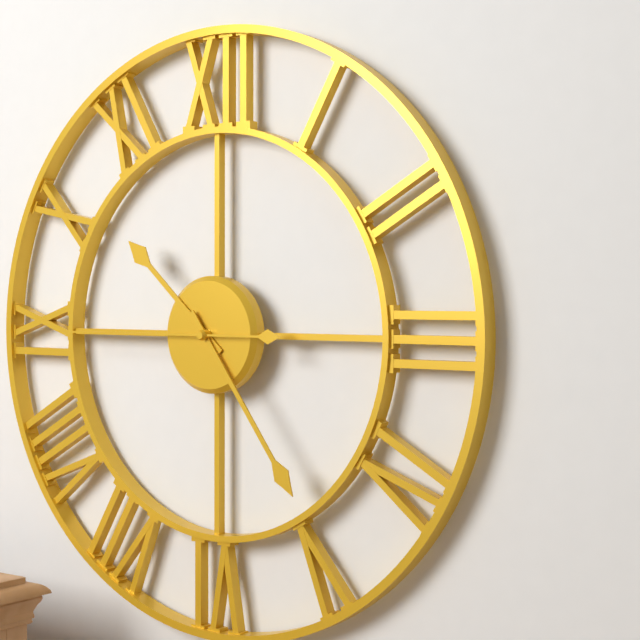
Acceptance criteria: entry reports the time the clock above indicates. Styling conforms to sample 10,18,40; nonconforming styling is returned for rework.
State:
10,24,45
